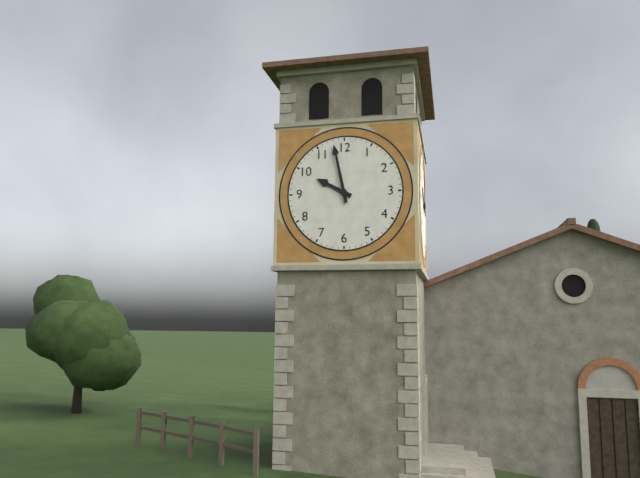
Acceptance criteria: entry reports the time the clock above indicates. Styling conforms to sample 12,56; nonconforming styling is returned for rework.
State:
9,58
